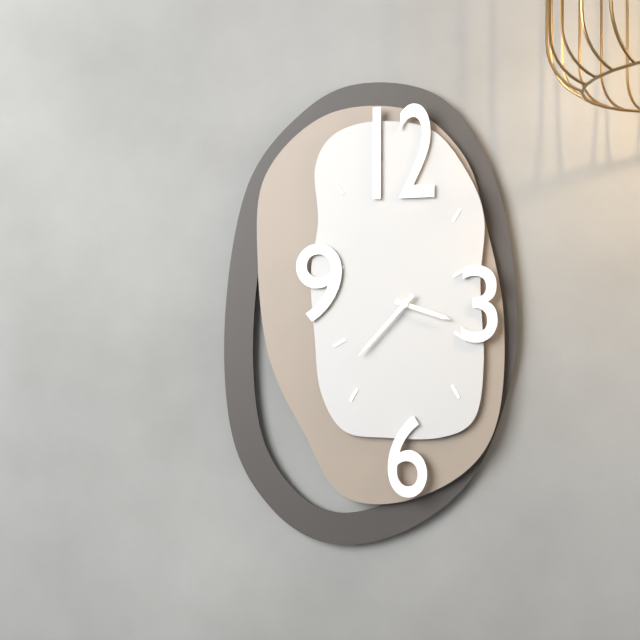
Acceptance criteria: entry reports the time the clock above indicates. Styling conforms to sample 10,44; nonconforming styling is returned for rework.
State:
3,37
